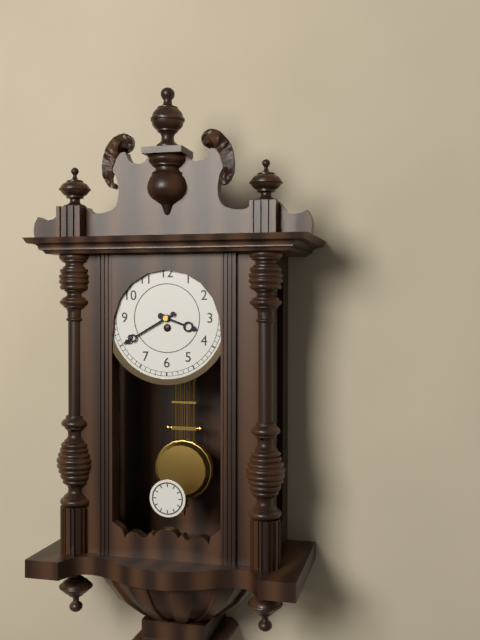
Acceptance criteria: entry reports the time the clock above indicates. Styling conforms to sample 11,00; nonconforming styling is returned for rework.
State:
3,40
